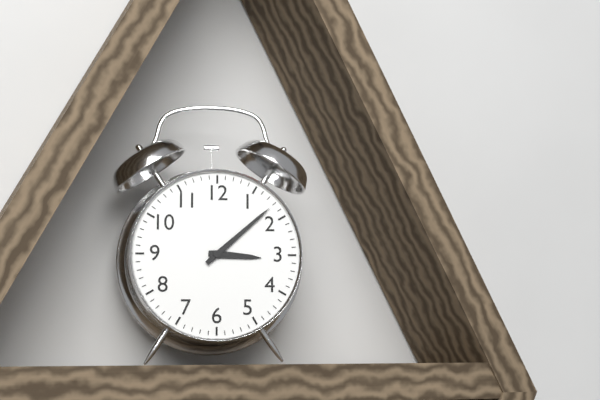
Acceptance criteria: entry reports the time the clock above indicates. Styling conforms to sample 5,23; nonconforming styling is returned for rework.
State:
3,08
